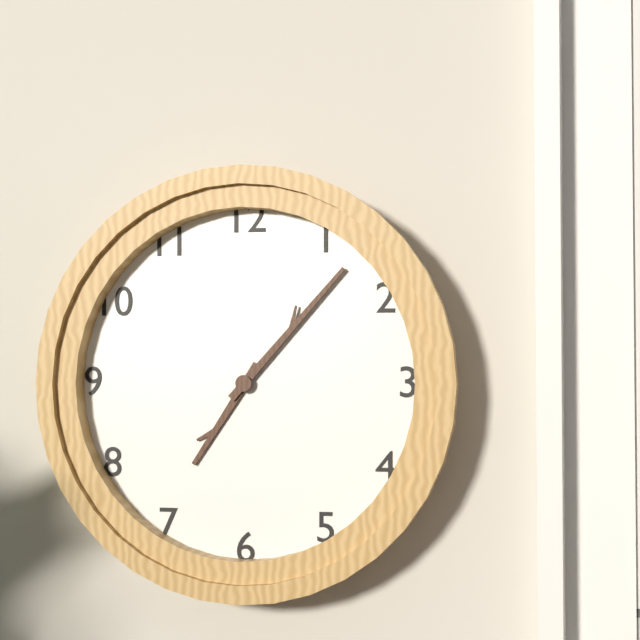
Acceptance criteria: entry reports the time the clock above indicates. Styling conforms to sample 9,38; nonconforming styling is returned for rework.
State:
7,07
